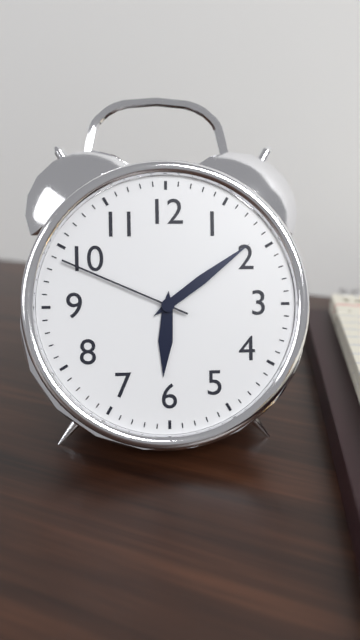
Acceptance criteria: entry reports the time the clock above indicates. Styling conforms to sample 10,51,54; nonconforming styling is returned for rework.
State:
6,09,49
